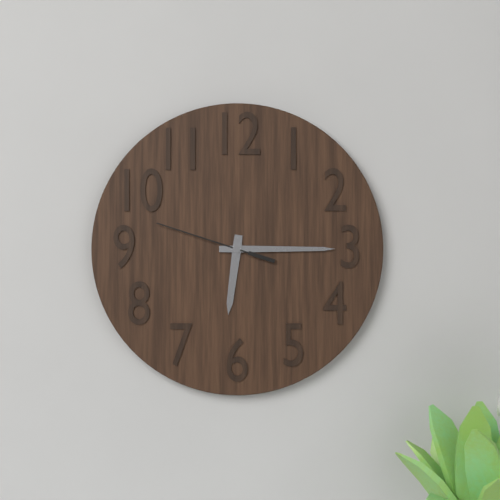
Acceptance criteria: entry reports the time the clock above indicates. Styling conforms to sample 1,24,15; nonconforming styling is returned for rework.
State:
6,15,48
